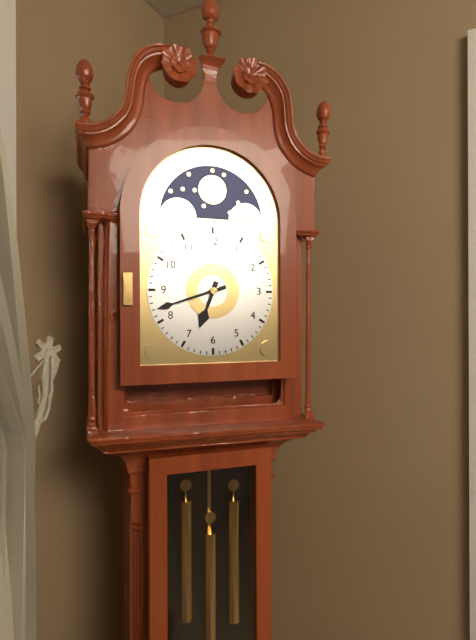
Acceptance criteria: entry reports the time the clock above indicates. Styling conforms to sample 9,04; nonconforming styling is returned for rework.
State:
6,42
